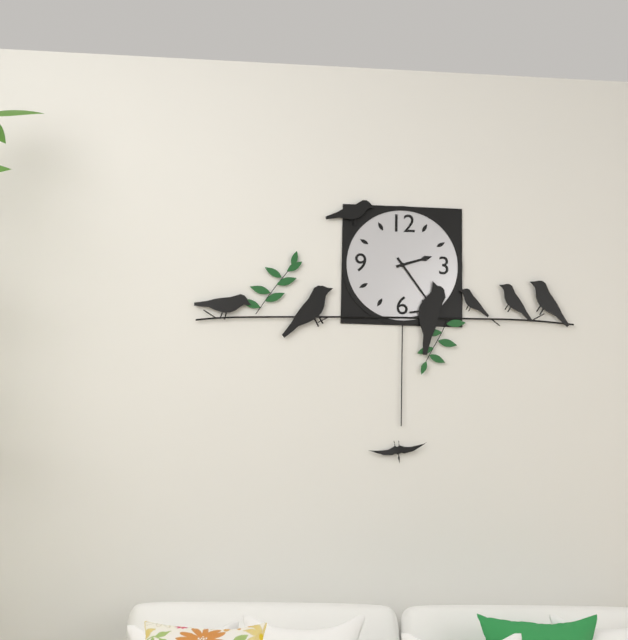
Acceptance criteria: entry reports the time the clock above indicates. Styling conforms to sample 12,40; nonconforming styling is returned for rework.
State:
2,24
